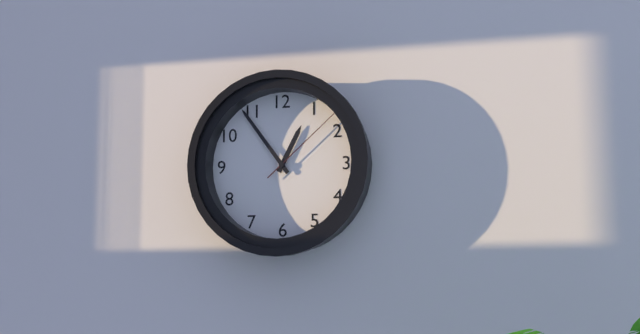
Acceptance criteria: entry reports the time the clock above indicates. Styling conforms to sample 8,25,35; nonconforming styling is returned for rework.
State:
12,54,08
